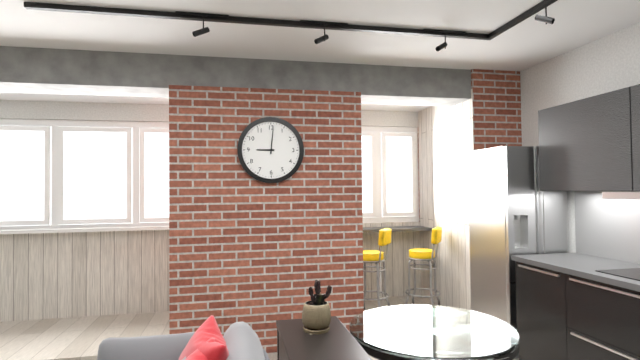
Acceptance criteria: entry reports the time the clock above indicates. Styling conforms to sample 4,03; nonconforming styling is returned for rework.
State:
9,01
